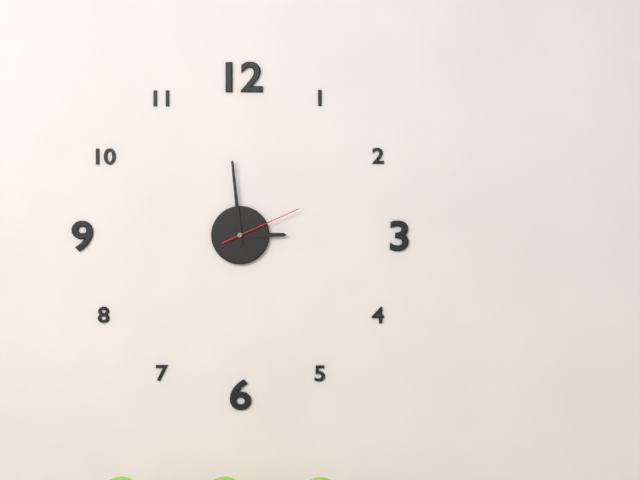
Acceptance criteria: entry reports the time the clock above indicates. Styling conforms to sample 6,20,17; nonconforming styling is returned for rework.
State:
2,59,11
